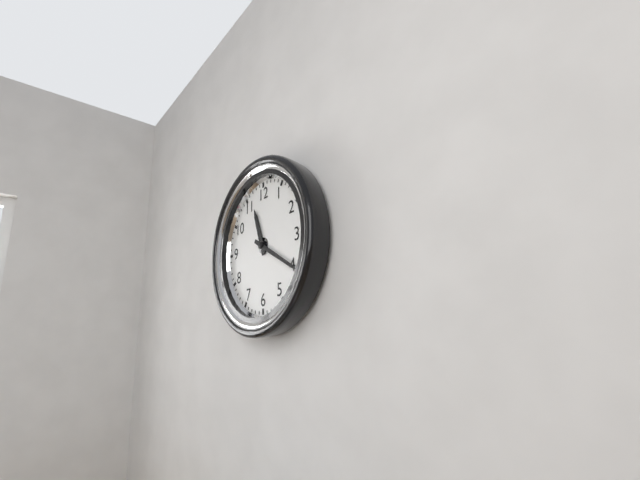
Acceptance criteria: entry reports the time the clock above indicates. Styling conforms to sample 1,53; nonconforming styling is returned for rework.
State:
11,20
